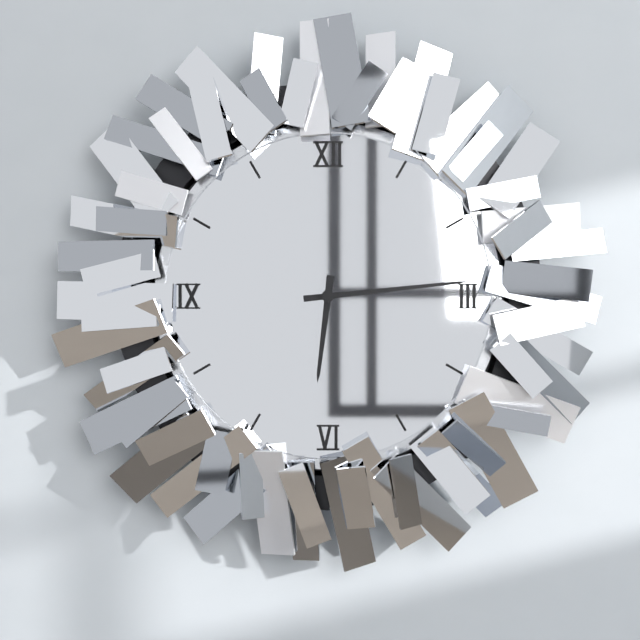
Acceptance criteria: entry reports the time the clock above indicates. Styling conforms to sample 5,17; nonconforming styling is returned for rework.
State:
6,14
